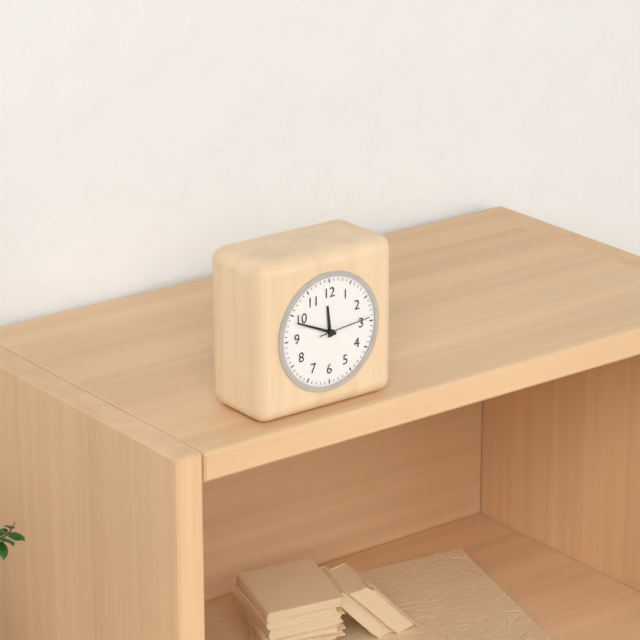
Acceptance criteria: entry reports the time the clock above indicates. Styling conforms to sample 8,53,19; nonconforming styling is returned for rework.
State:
11,49,14
